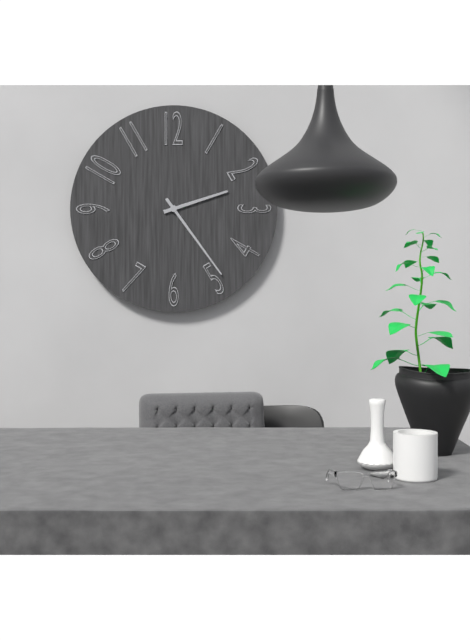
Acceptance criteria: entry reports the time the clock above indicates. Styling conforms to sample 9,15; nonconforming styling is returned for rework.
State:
2,24
